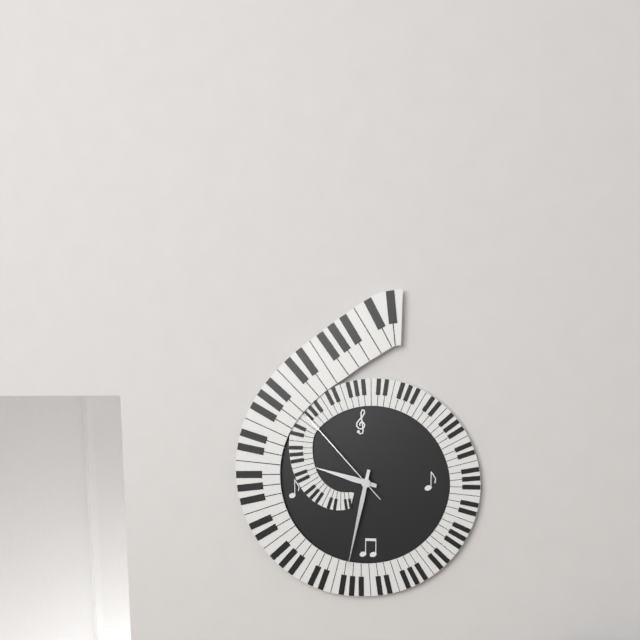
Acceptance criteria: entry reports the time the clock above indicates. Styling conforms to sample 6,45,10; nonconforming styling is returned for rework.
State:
9,32,53
